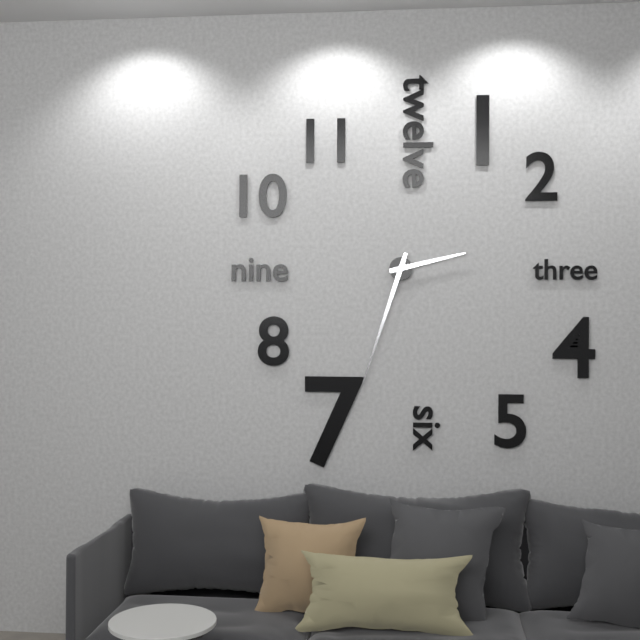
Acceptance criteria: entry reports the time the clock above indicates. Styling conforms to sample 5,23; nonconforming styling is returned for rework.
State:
2,33
